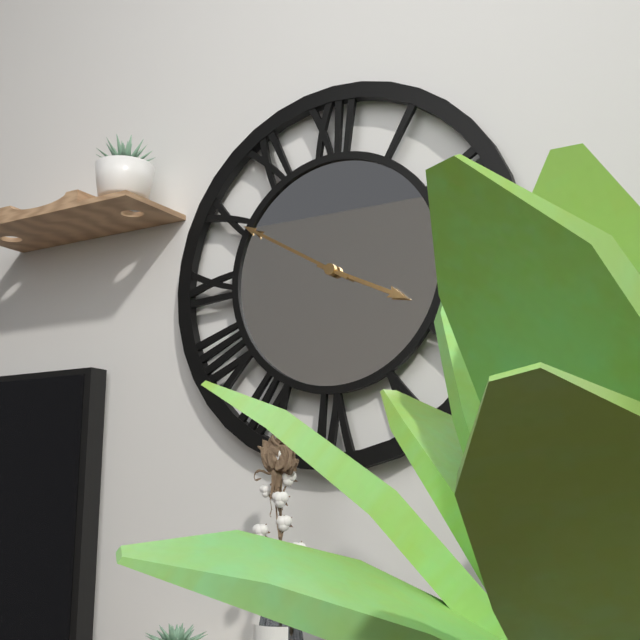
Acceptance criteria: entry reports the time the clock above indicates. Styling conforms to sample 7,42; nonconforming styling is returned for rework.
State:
3,50
